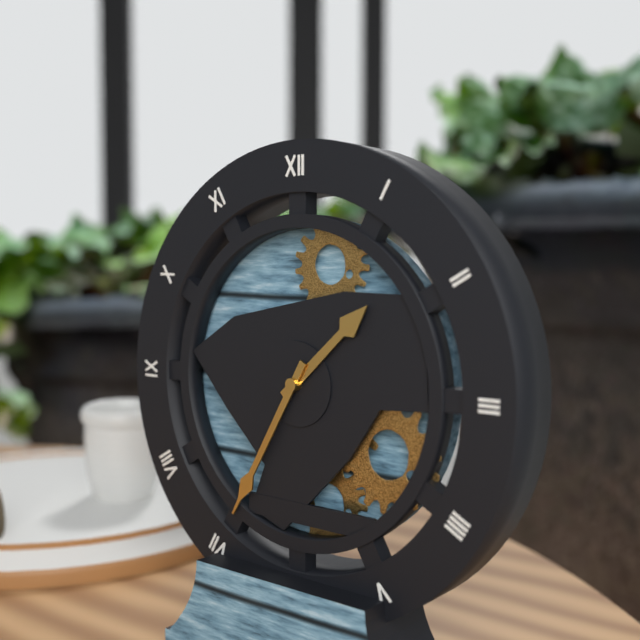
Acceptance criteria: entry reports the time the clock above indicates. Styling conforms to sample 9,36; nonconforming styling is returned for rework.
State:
1,35
